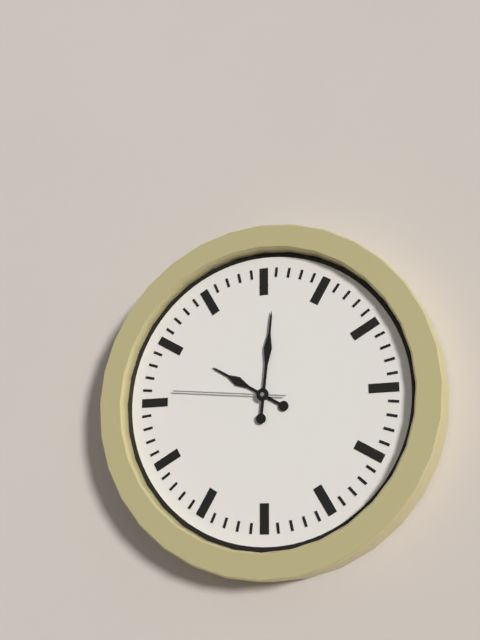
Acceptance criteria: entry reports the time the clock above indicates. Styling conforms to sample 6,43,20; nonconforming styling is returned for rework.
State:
10,01,46
